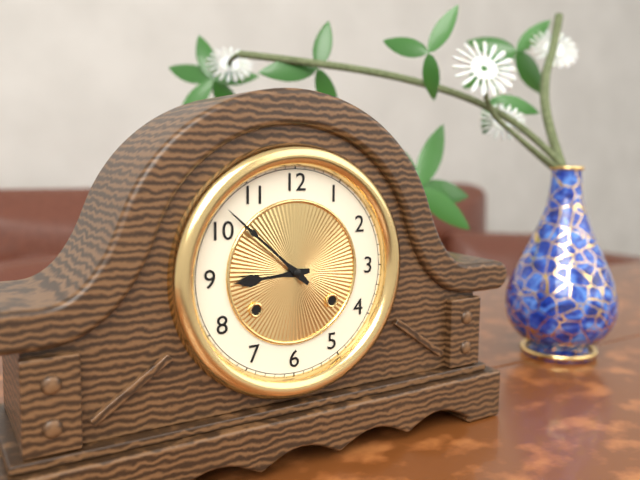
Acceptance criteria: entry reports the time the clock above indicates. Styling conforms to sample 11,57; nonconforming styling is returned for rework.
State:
8,52
